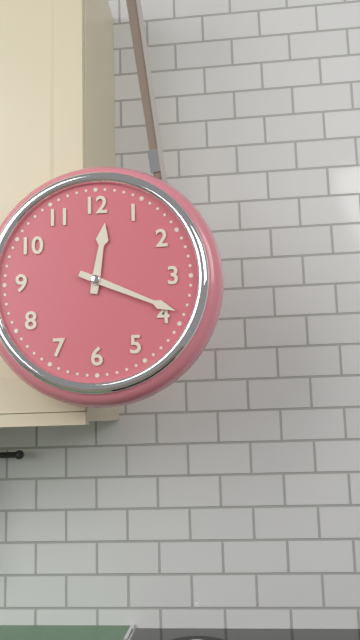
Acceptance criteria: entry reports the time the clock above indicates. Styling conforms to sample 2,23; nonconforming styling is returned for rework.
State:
12,19
